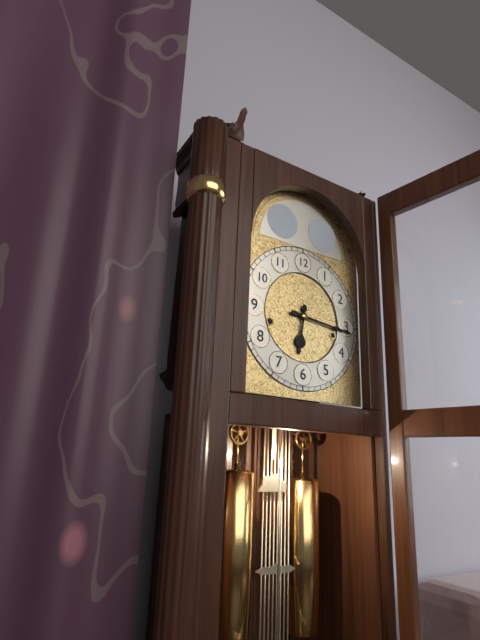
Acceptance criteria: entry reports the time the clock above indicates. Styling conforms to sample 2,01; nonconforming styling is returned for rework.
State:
6,16
